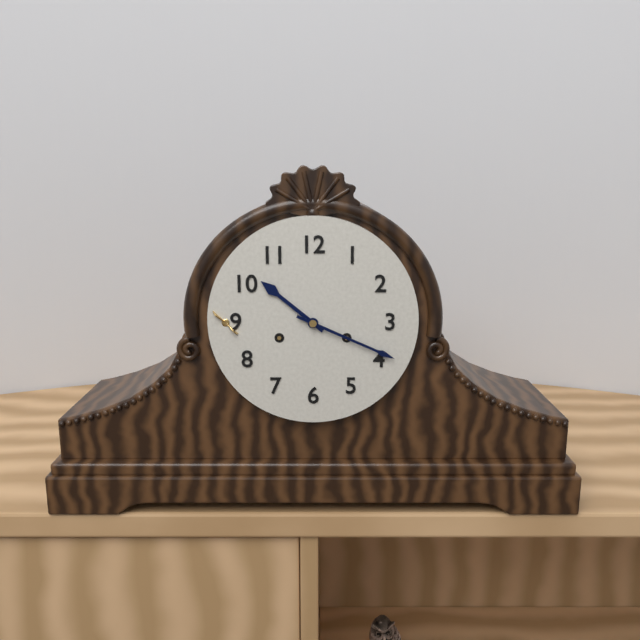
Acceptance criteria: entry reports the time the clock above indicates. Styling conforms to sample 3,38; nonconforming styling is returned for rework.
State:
10,19
